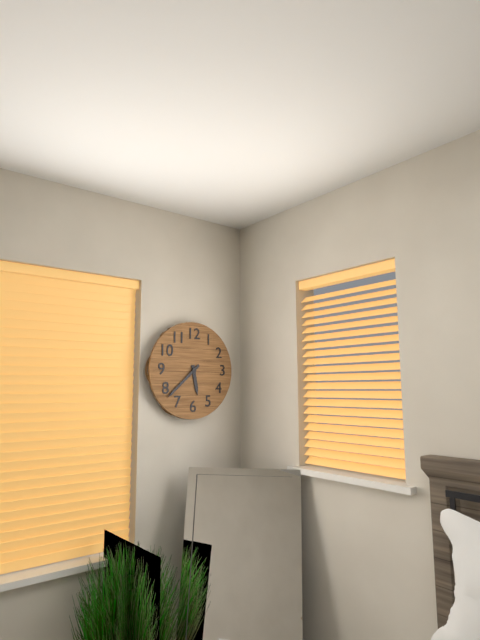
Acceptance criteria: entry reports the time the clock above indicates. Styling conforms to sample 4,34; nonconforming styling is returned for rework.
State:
5,38
